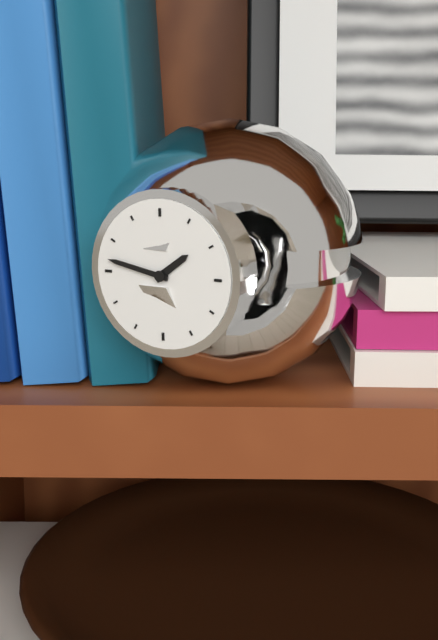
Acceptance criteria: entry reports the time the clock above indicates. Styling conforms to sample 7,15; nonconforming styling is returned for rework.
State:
1,47
